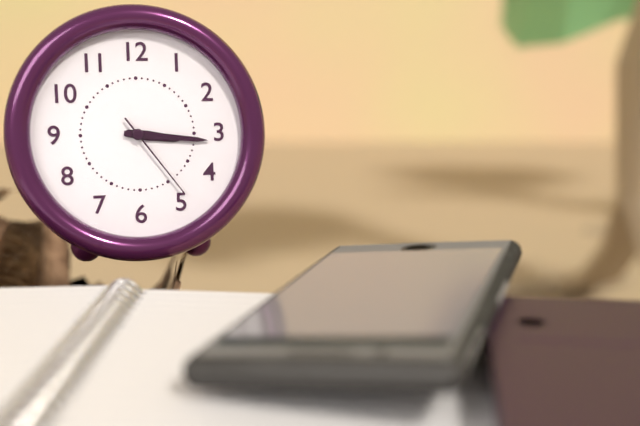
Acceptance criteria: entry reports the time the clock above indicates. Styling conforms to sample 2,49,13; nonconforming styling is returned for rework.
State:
3,16,24
